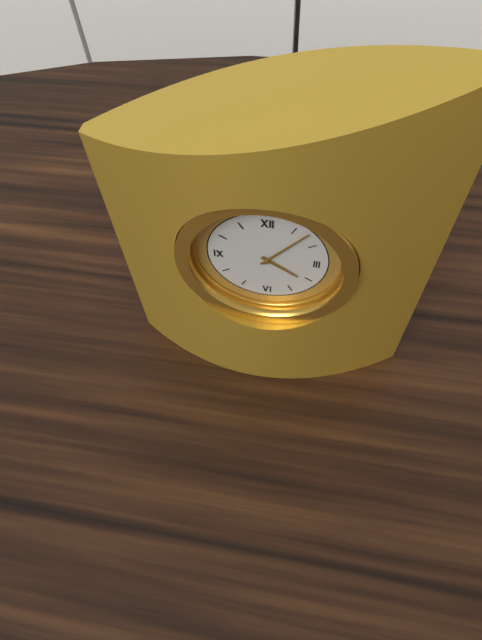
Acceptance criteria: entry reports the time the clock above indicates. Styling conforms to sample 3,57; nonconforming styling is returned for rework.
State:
4,07
